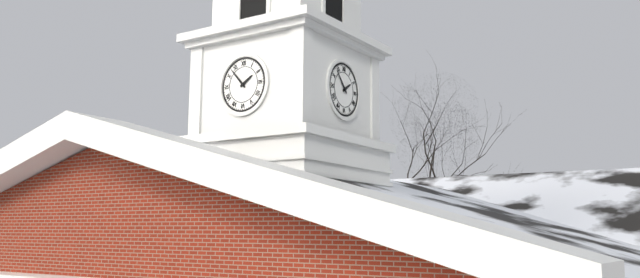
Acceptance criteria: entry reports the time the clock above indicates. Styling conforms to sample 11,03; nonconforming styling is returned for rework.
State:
1,53
